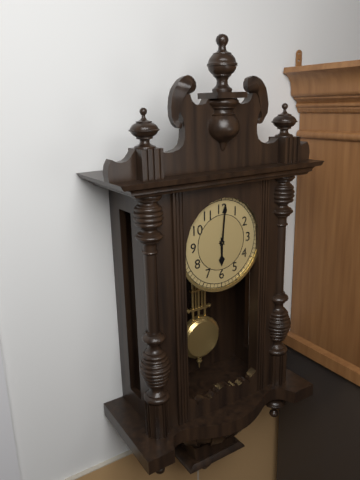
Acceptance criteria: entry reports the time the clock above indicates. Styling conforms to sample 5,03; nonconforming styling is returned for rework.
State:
6,01
